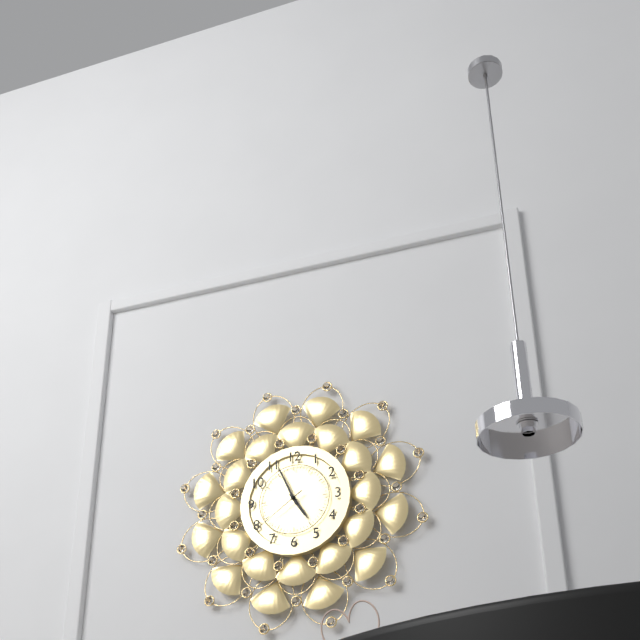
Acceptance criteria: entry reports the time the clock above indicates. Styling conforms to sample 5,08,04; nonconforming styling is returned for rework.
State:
4,56,39
